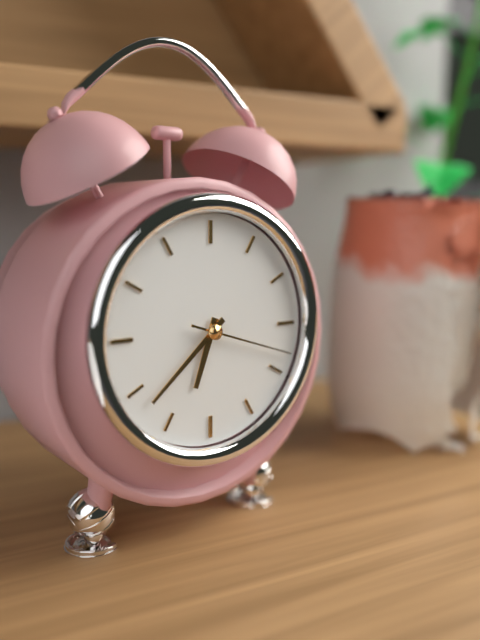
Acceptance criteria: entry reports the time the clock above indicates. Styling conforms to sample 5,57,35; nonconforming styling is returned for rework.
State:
6,38,18
